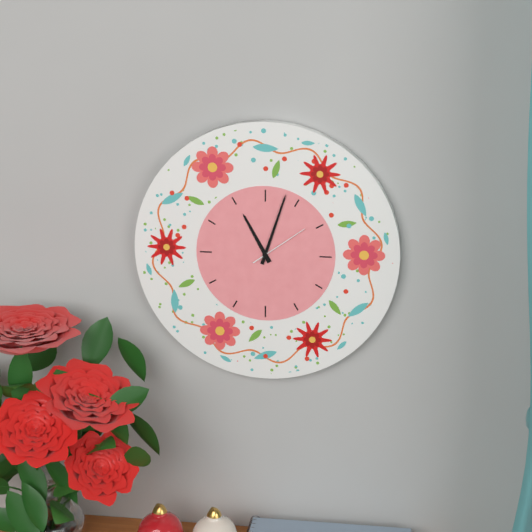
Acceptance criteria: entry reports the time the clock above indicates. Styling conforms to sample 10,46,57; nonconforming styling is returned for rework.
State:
11,03,09
